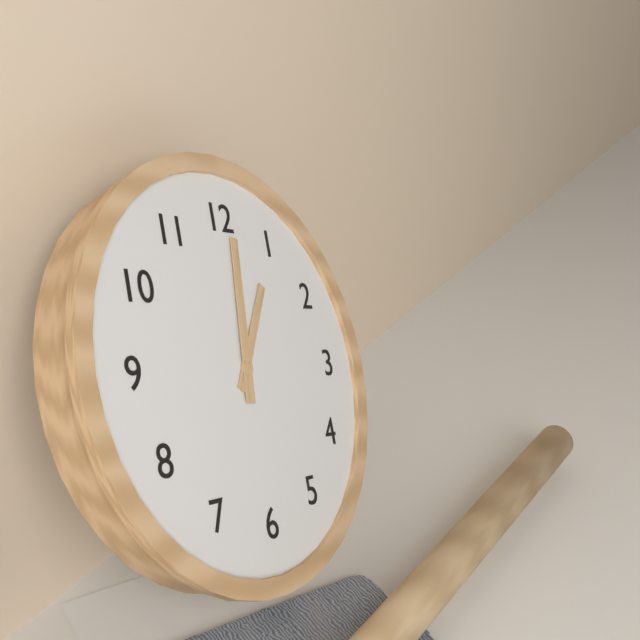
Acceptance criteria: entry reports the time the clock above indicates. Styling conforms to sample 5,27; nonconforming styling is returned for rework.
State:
1,01
